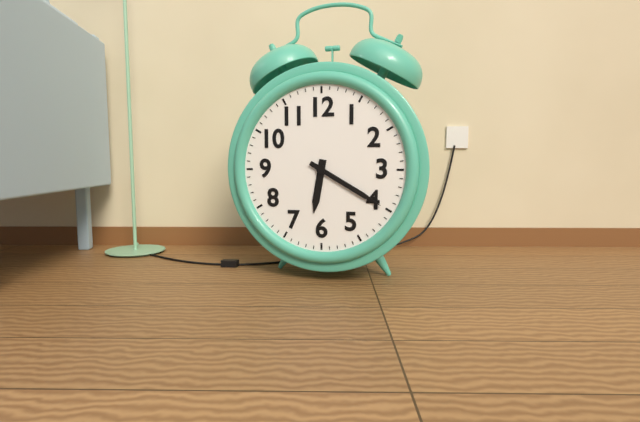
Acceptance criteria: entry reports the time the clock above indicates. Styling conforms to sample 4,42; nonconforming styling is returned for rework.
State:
6,20
